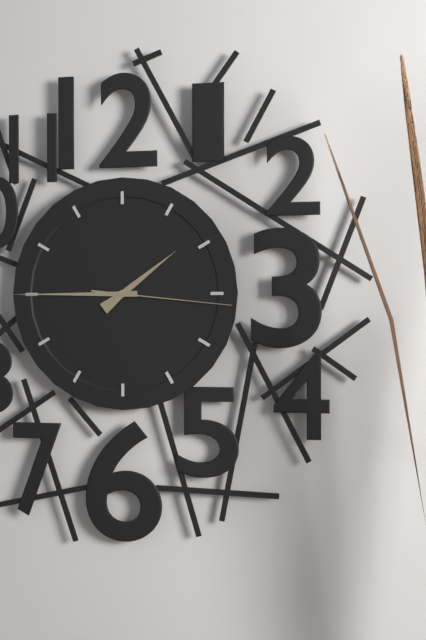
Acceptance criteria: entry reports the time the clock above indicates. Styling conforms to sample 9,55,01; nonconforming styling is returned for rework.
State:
1,45,16
